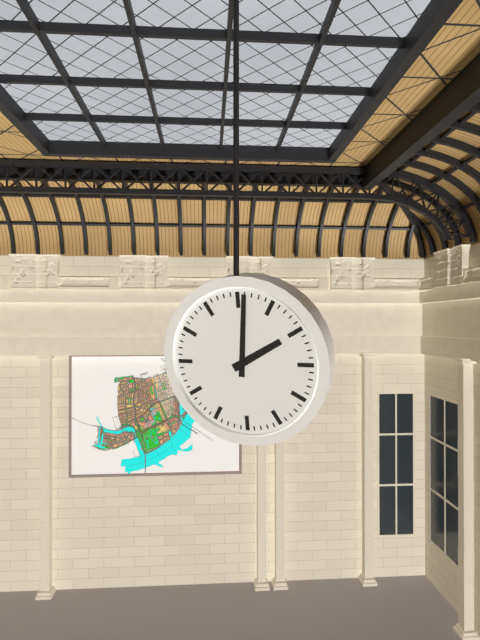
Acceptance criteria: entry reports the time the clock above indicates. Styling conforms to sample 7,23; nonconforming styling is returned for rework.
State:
2,01
